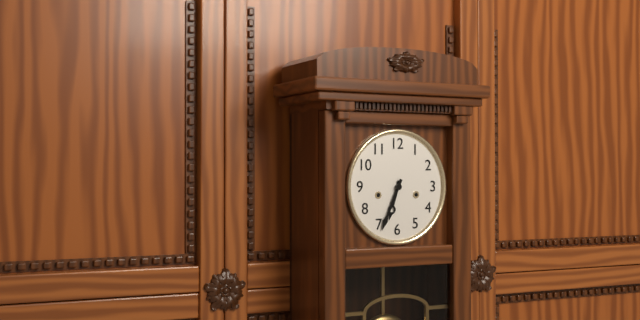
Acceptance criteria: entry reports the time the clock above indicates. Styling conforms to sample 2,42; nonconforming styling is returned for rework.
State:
6,34
